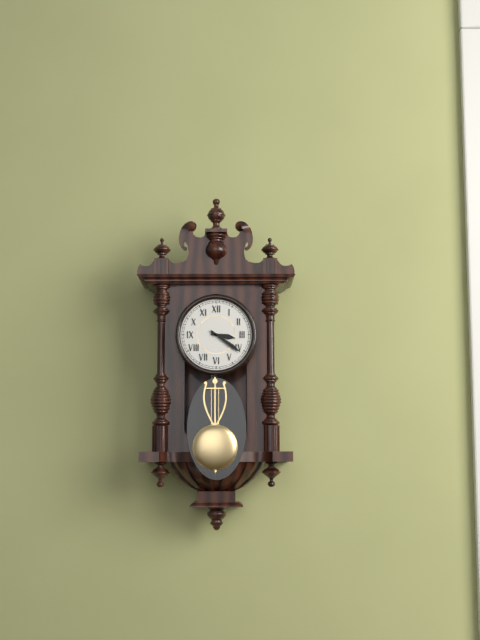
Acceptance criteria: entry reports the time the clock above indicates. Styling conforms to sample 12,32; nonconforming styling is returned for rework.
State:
3,21
